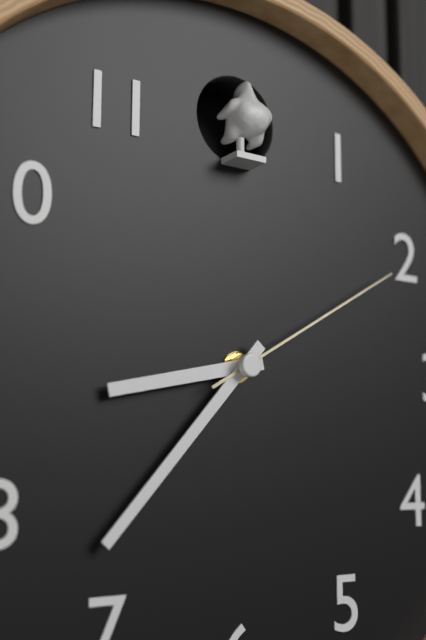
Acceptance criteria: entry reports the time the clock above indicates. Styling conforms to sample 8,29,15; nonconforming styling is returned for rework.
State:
8,37,10
